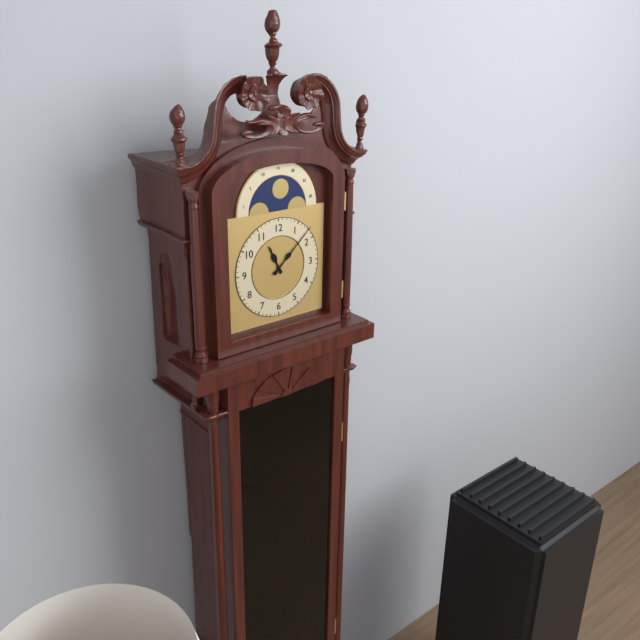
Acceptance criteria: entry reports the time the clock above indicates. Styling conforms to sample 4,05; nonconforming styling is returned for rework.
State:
11,08
